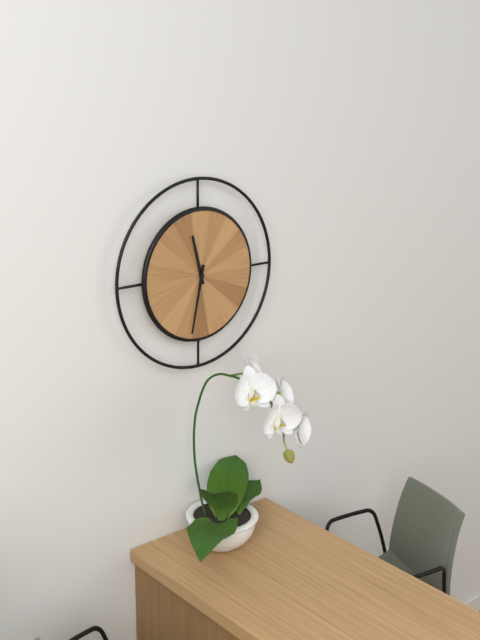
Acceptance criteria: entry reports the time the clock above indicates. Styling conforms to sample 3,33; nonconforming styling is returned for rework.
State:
11,32
